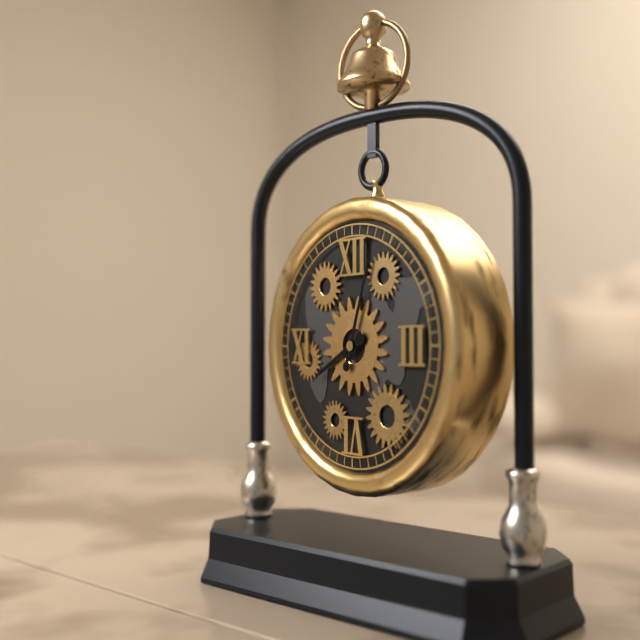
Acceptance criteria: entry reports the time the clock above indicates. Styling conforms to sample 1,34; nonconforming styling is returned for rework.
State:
8,03
